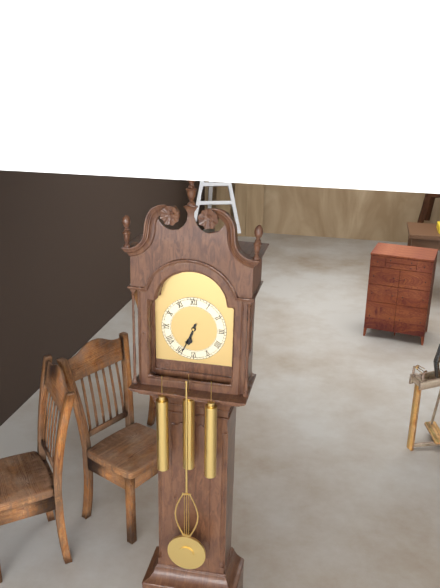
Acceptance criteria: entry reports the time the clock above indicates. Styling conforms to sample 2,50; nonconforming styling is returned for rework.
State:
6,34
